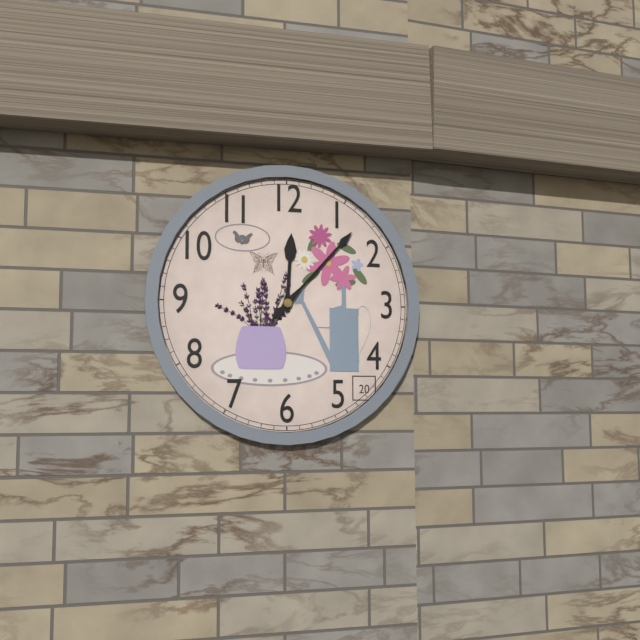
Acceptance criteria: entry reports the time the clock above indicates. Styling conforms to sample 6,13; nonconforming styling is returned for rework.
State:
12,07
